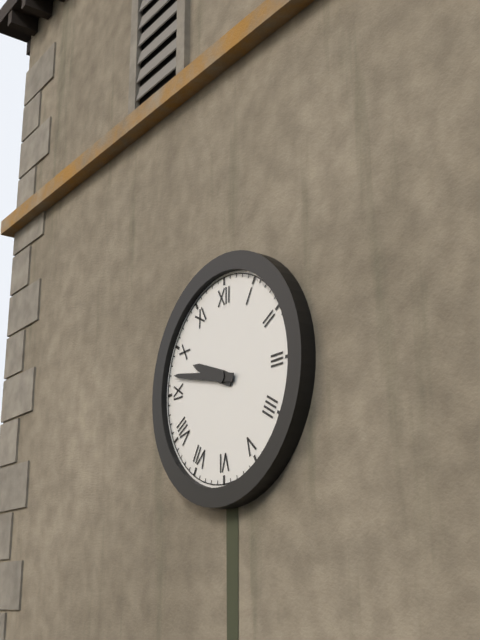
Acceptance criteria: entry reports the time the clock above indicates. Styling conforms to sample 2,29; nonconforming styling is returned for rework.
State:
9,47
